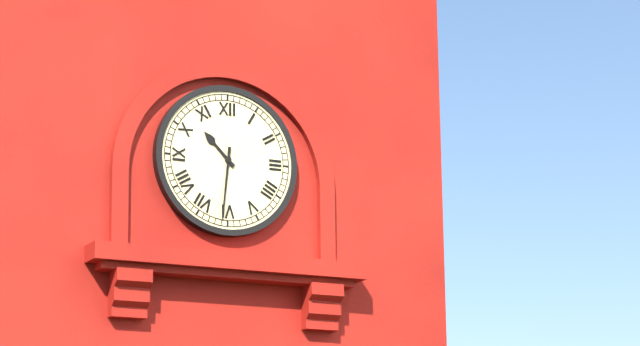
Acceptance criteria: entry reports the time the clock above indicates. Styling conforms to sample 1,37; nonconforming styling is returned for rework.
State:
10,31
